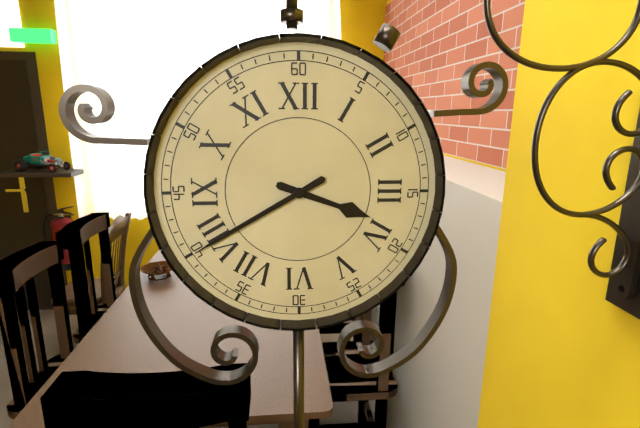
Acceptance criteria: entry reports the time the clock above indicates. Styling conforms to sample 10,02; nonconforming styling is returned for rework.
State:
3,40
